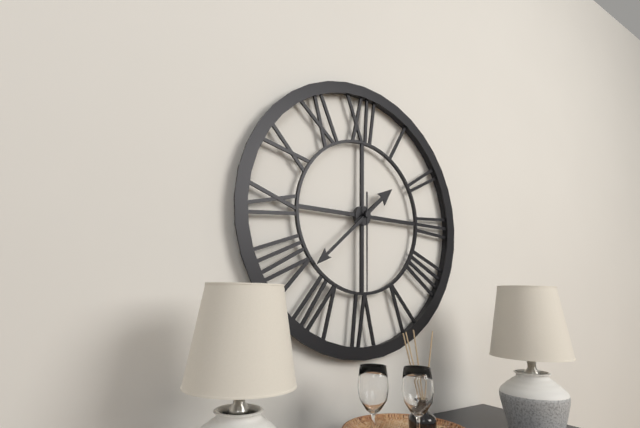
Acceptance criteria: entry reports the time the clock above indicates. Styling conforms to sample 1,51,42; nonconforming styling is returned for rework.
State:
1,38,30
